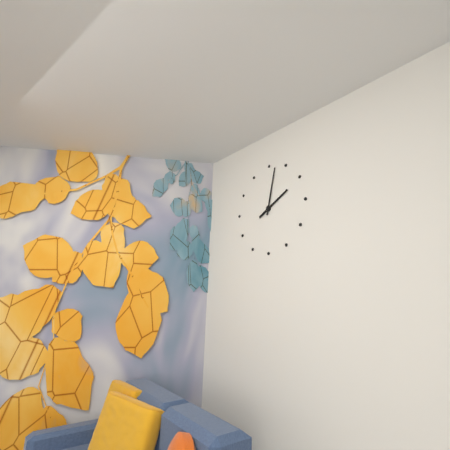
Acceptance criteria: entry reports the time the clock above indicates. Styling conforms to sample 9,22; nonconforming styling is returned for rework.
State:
2,02
